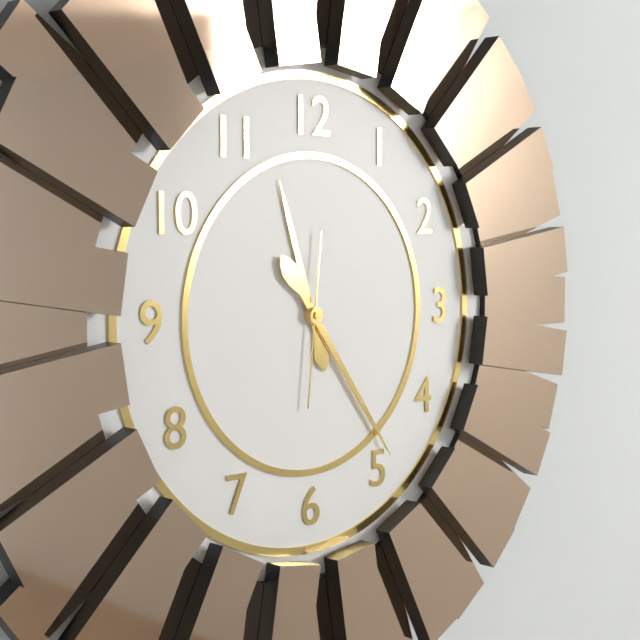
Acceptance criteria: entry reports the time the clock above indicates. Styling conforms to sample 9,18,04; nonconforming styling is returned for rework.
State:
11,24,31
